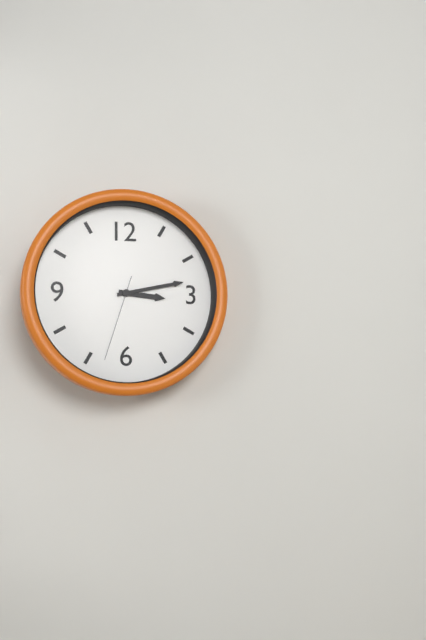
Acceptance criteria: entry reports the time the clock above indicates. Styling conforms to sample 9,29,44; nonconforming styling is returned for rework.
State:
3,13,33
